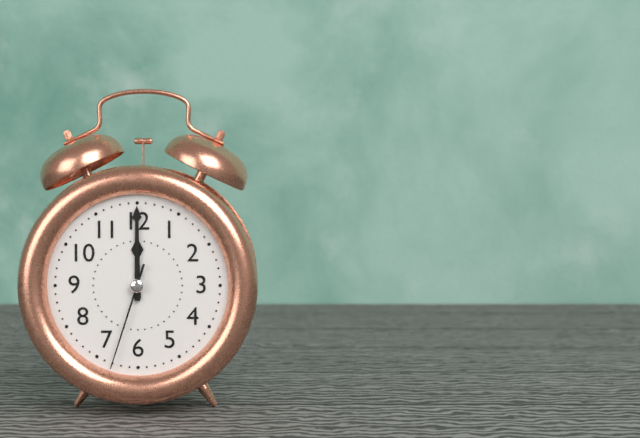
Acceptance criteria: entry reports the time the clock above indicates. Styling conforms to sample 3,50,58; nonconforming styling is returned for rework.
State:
12,00,33
